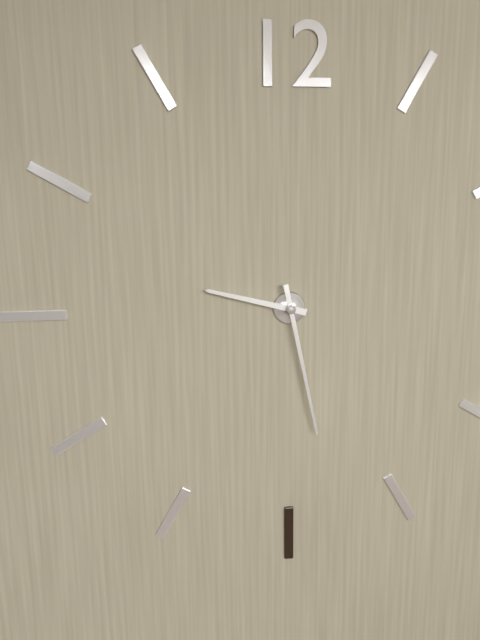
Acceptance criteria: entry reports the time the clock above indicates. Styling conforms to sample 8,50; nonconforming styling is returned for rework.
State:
9,28
